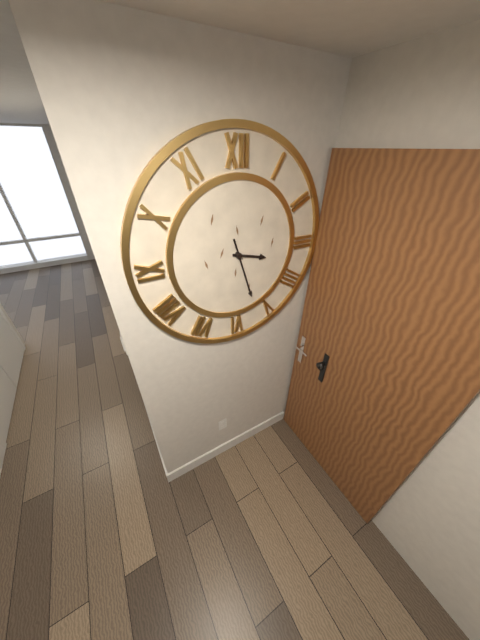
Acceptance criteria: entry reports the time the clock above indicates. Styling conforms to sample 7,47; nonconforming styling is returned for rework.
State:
3,27
